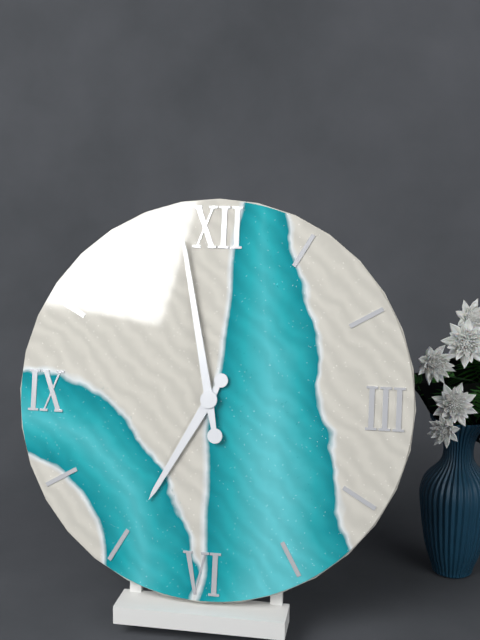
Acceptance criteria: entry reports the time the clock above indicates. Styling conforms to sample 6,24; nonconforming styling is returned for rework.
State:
6,58
